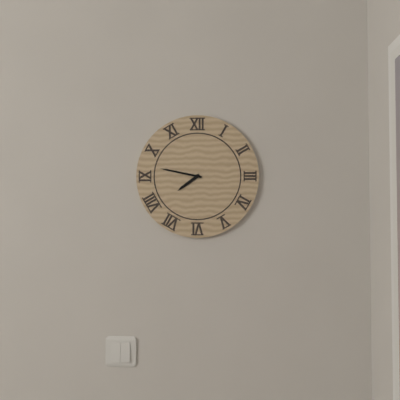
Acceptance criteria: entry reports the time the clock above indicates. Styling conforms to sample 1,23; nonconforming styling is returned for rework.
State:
7,47
